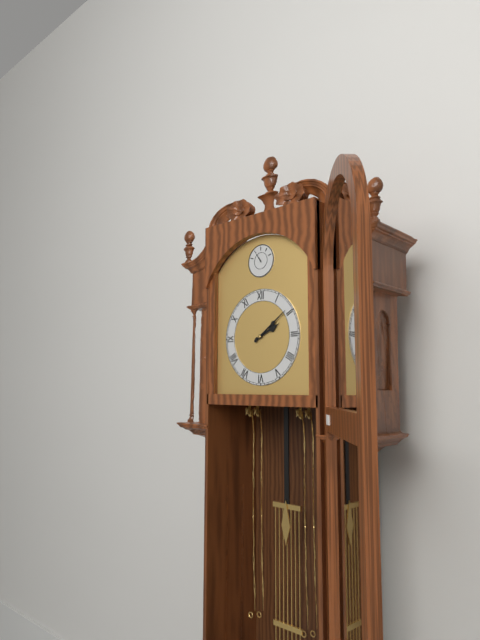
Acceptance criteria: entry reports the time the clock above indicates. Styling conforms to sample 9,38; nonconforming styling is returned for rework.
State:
2,09
